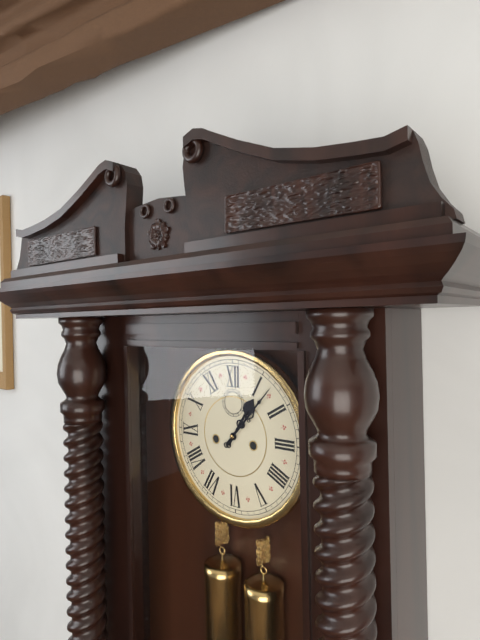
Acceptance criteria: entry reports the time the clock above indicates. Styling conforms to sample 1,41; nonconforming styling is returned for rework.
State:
1,07
